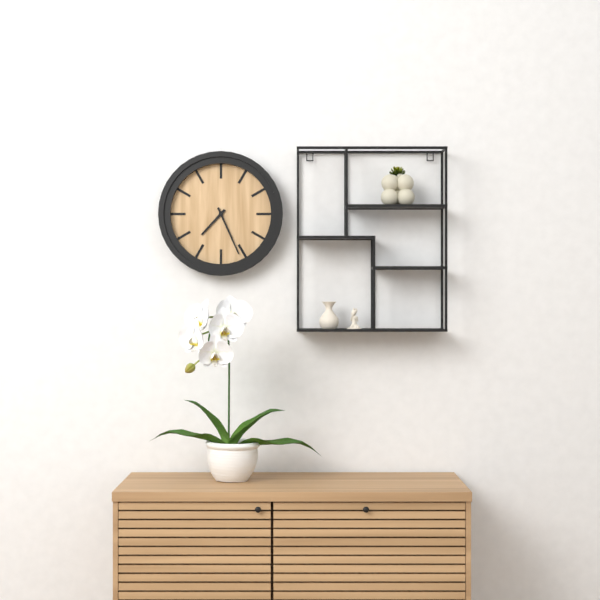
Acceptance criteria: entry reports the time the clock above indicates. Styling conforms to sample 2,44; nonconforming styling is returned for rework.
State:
7,26
